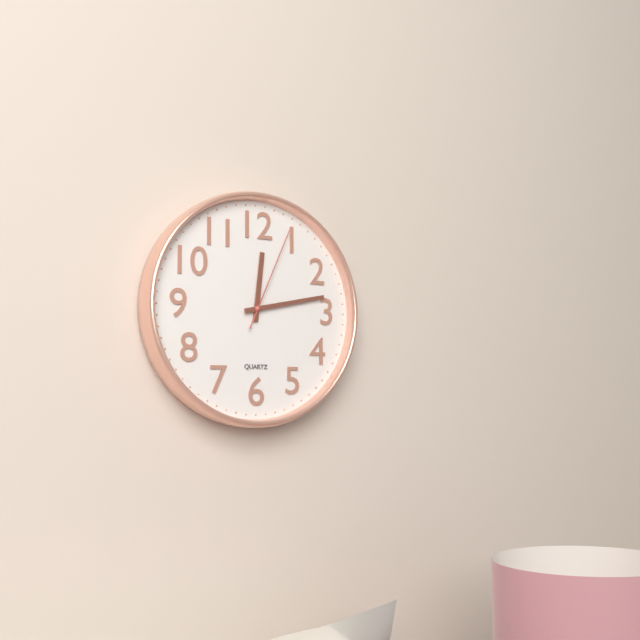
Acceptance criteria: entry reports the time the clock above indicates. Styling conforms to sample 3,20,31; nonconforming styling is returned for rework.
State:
12,13,04
